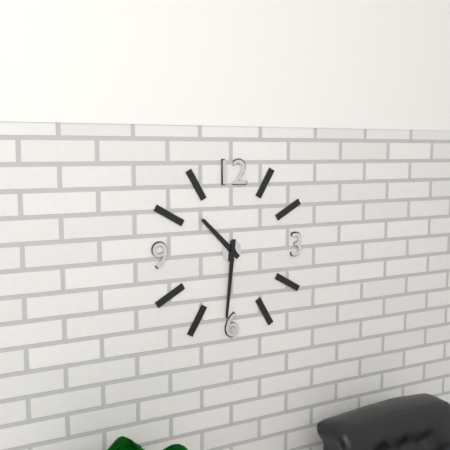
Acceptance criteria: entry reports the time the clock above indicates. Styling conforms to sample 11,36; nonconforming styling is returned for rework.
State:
10,31
